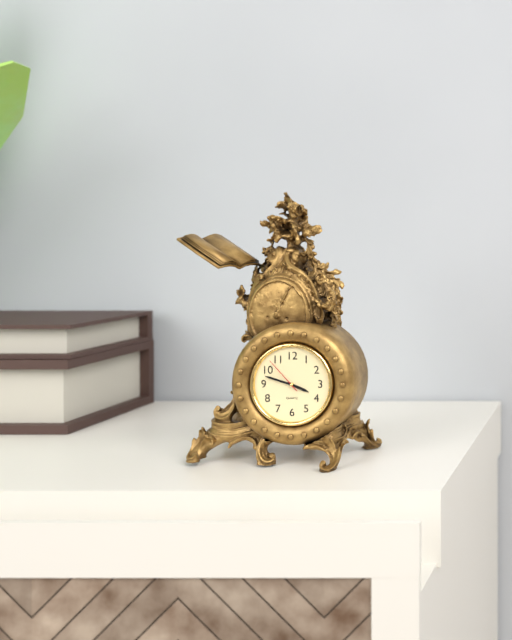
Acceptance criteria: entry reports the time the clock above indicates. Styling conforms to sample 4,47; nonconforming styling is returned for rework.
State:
3,48
